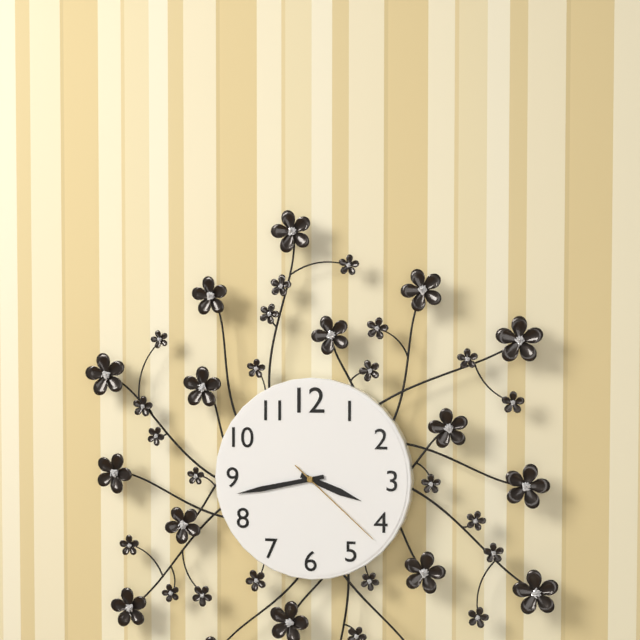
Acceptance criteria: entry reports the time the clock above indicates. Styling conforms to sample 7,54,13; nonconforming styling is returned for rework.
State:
3,43,22
